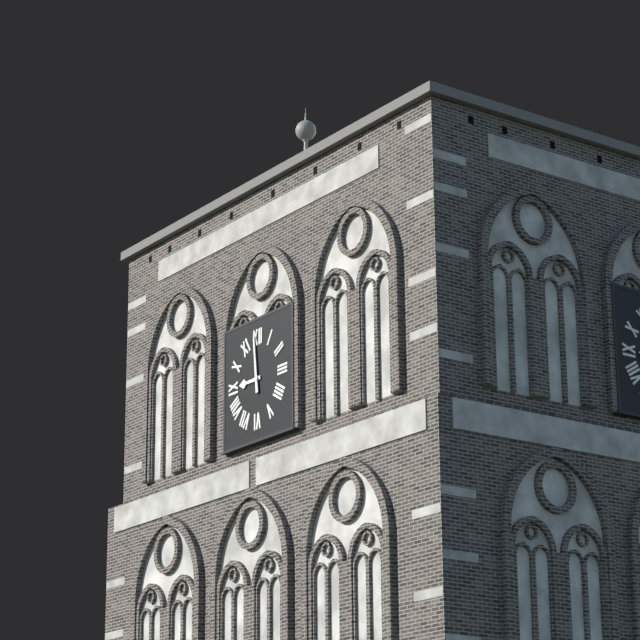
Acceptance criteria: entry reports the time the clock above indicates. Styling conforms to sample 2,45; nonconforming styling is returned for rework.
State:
8,59
